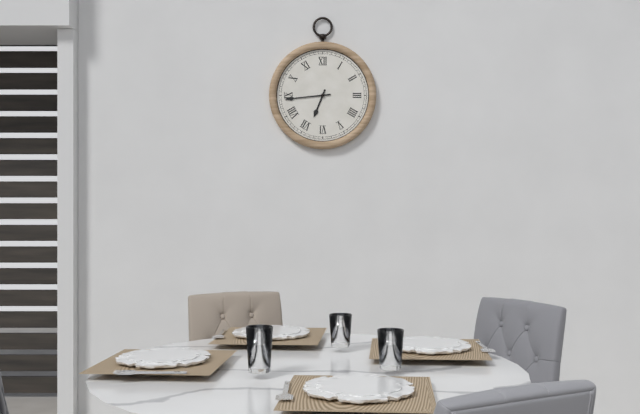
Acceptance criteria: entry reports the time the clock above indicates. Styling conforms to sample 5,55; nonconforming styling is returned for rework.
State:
6,44
